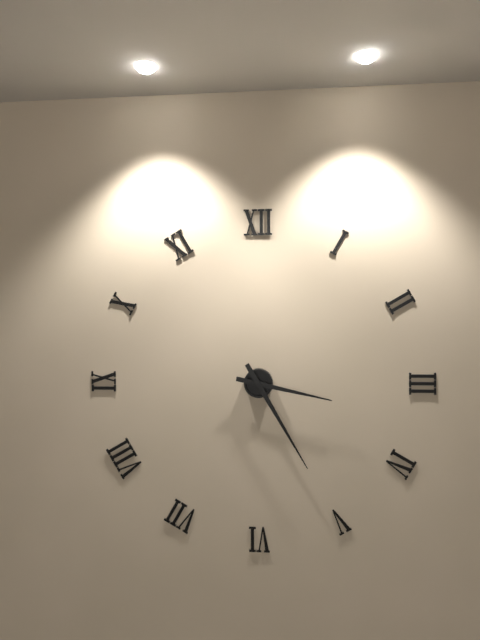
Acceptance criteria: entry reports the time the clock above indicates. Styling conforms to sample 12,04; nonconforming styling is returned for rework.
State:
3,25
